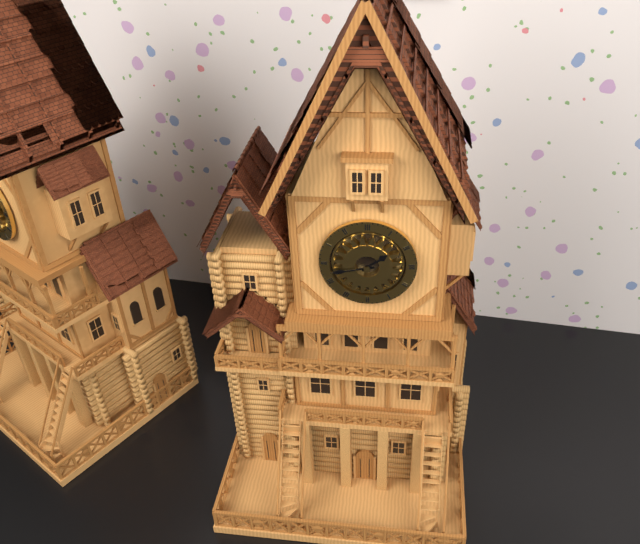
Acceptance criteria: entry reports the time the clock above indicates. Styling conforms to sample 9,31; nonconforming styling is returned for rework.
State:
1,43
